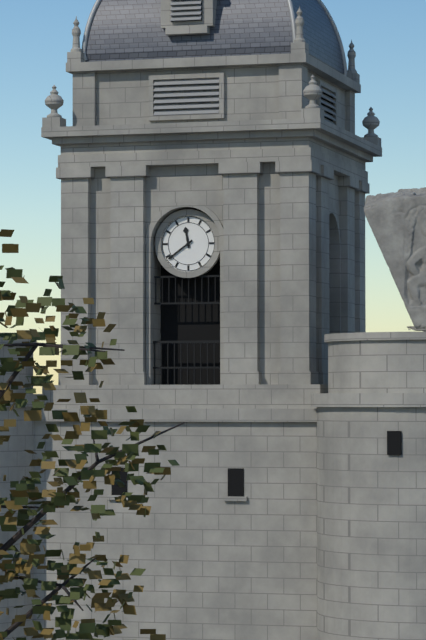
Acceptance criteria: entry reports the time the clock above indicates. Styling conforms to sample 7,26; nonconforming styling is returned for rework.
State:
11,39
